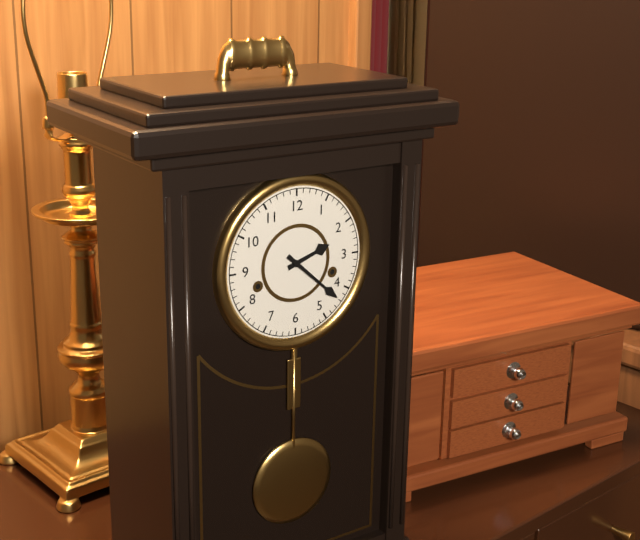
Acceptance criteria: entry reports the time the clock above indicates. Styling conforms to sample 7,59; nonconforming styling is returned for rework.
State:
2,22
